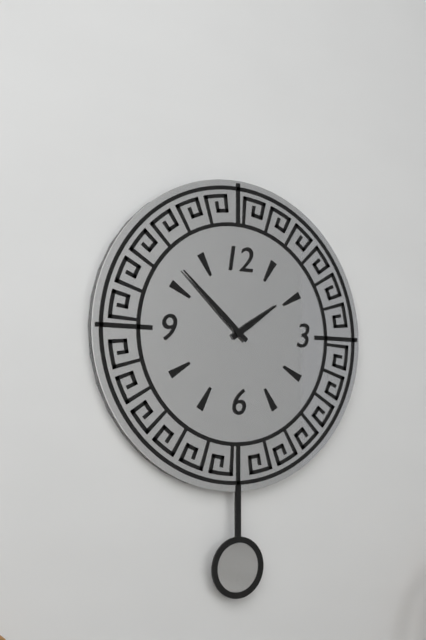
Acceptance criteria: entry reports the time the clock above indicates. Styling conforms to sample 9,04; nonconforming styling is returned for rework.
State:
1,52
